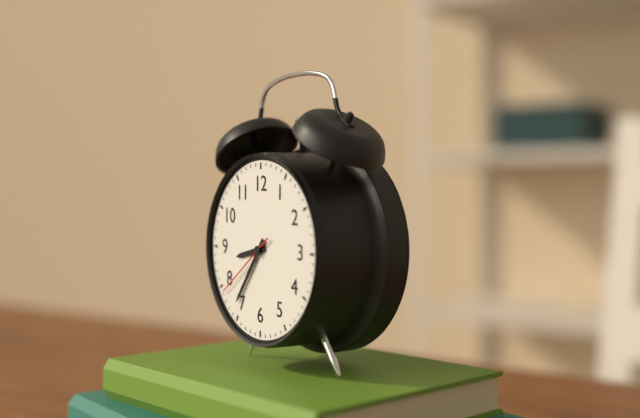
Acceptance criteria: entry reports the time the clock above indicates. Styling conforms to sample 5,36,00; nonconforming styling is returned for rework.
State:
8,36,39
